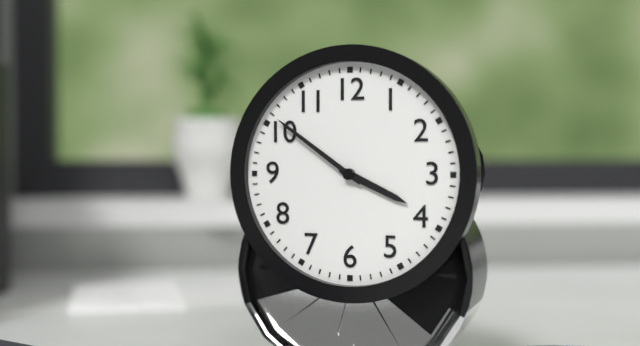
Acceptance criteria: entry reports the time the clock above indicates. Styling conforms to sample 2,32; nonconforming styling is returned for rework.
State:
3,51
